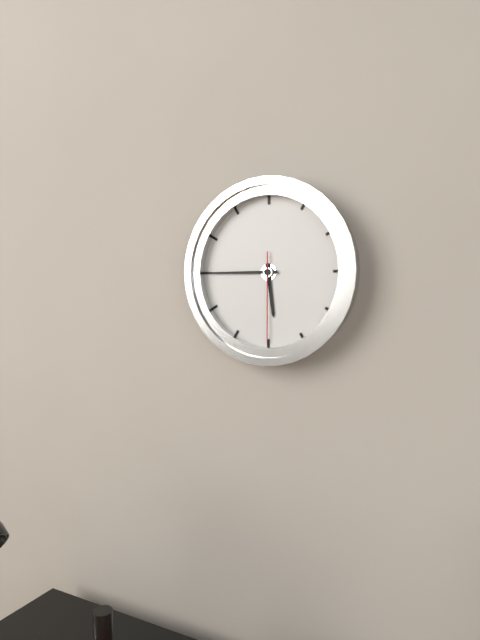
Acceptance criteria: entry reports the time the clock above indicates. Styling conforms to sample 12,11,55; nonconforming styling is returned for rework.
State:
5,45,30
